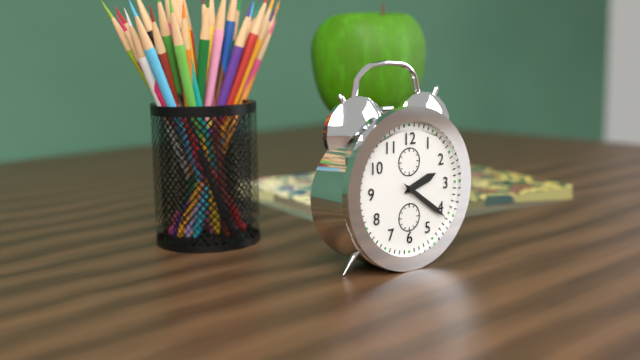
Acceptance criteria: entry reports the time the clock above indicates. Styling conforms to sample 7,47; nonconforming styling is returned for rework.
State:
2,21
